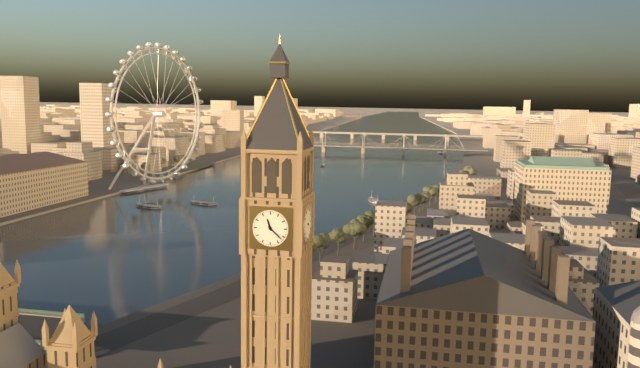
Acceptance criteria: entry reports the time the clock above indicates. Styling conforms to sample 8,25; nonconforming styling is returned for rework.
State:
11,22
